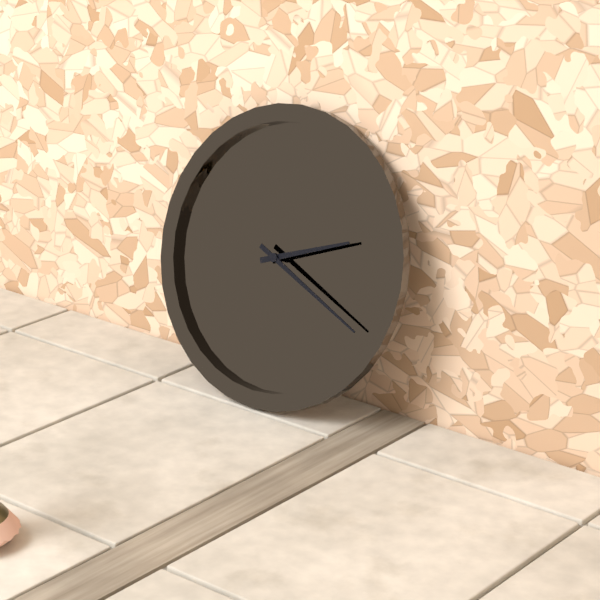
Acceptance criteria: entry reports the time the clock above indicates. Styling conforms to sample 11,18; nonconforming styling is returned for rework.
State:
2,19
